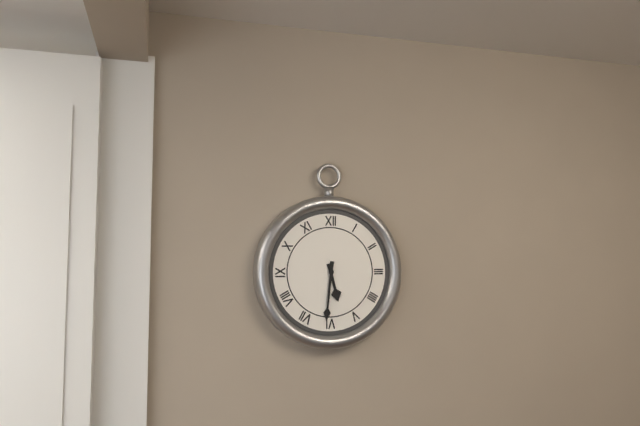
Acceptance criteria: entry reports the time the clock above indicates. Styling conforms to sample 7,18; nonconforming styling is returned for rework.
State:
5,31
